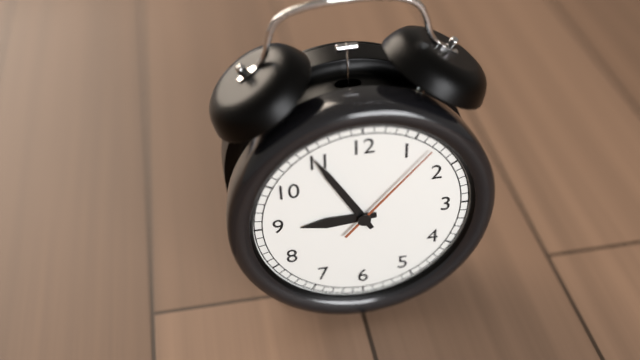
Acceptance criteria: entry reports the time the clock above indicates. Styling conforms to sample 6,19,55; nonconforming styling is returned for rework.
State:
8,55,07
